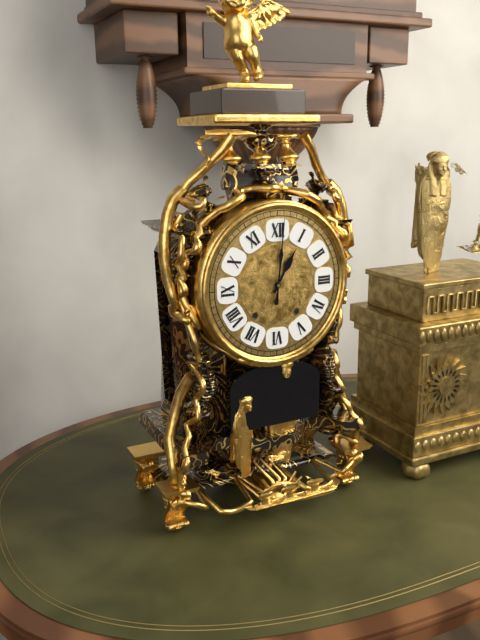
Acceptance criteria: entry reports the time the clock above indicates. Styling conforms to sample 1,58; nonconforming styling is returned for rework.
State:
1,01
